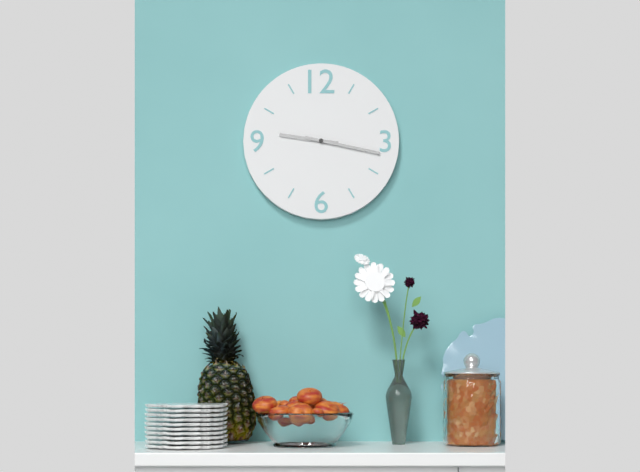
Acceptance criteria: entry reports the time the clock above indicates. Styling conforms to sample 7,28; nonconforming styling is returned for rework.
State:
9,17
